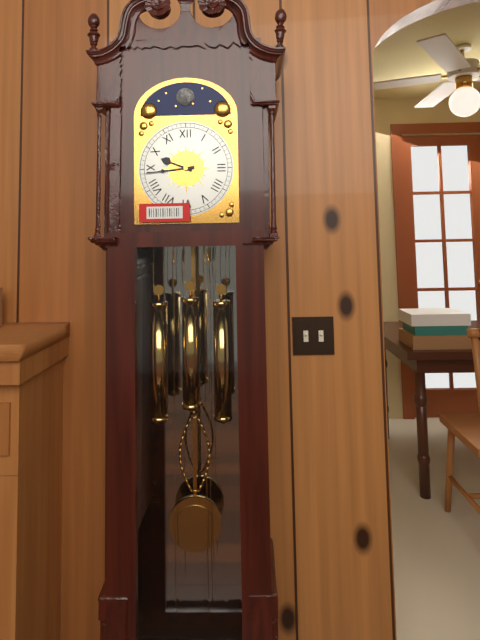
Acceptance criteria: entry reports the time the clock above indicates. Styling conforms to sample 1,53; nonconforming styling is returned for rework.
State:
9,44
